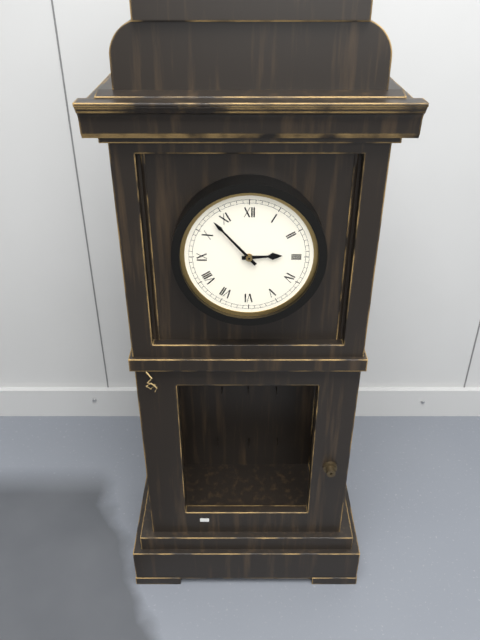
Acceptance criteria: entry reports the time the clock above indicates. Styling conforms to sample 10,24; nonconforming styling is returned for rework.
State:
2,53
